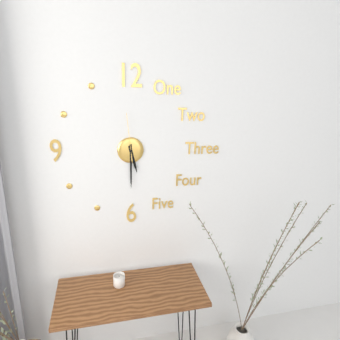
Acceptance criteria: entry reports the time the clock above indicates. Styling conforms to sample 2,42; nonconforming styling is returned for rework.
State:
5,30
